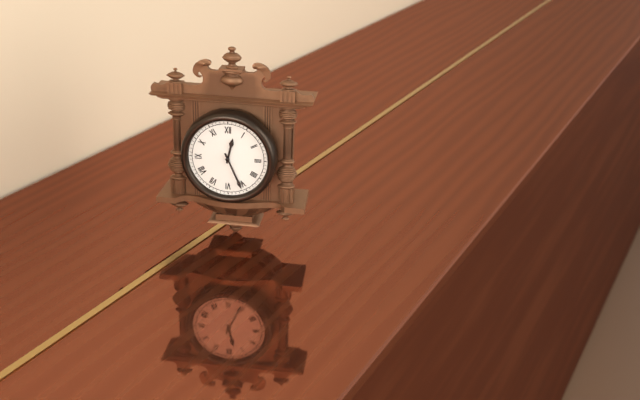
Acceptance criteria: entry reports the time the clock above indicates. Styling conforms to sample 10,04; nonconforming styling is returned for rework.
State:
12,26
